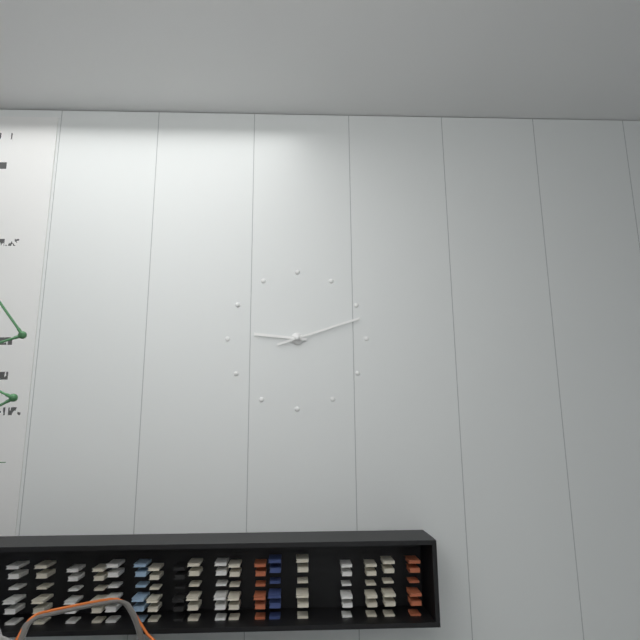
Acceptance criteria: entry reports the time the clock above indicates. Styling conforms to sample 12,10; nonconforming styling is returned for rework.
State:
9,12
